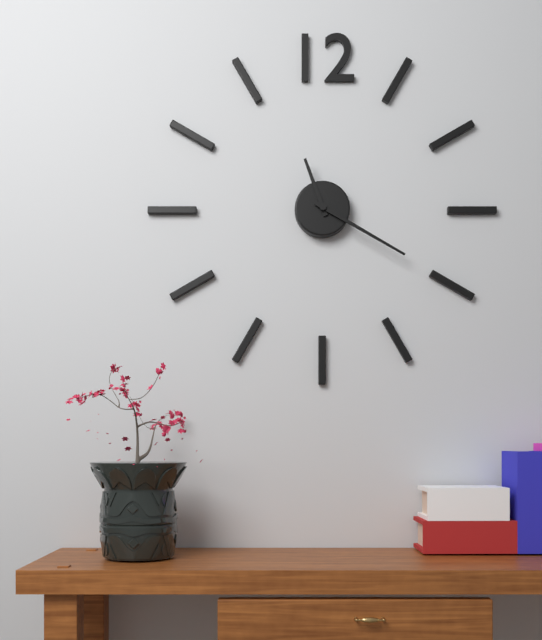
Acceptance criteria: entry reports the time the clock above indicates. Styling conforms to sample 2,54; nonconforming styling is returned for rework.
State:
11,20
